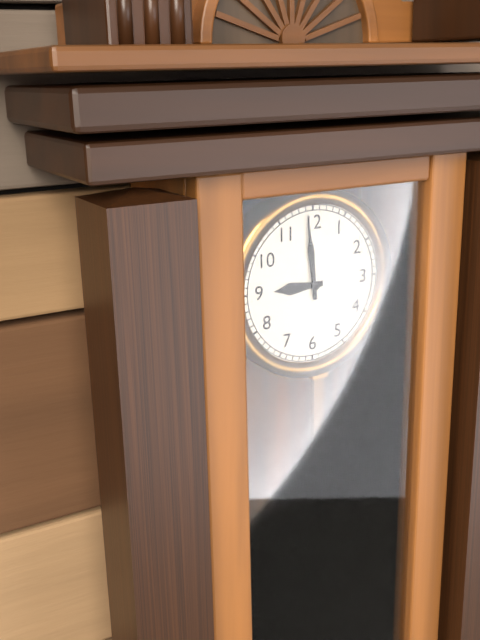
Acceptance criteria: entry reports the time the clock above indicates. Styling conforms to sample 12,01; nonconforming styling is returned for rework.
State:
8,59
